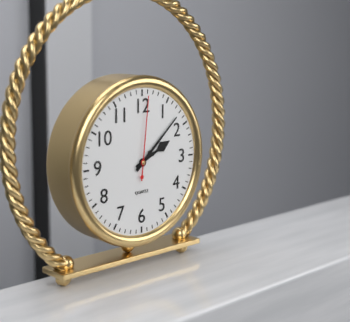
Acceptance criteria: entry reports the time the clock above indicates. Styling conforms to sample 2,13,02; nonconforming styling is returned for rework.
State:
2,08,01
